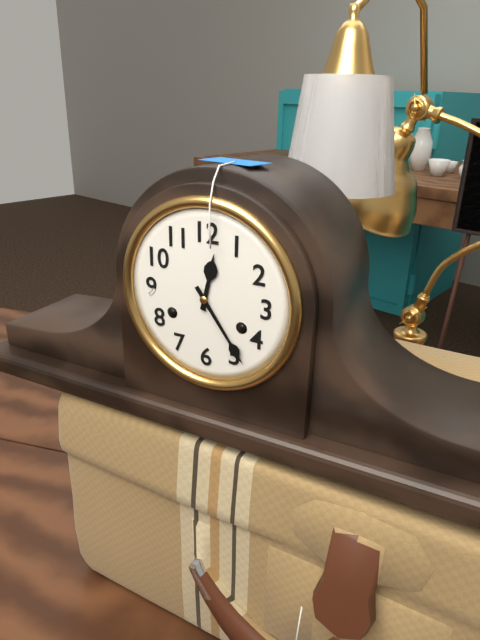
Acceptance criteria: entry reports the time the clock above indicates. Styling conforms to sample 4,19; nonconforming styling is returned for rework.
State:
12,24
